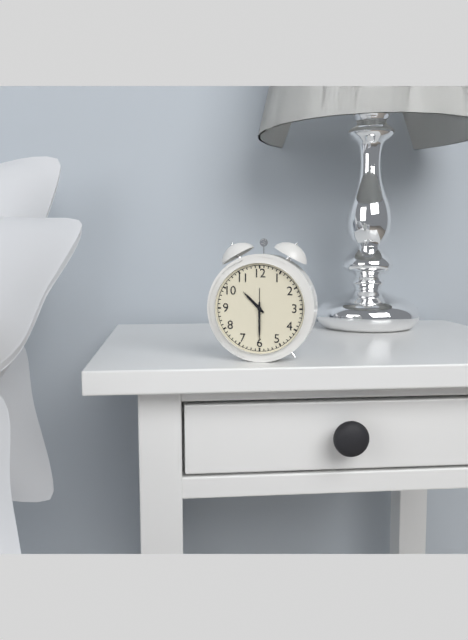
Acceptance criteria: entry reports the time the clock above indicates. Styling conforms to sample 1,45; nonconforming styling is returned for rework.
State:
10,30
